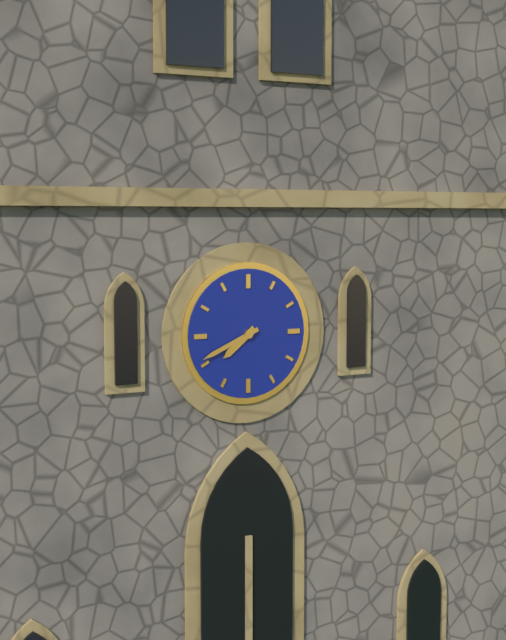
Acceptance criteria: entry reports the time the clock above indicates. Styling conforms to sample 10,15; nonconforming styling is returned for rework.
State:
7,41
